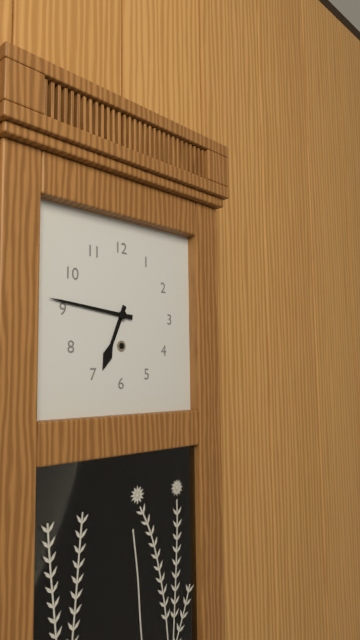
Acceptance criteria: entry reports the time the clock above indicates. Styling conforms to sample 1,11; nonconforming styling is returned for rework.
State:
6,46
